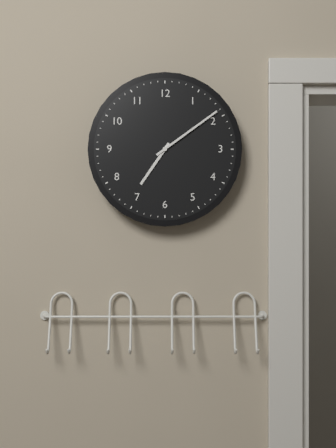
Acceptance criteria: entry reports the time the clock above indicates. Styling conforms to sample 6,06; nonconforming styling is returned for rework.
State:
7,09
